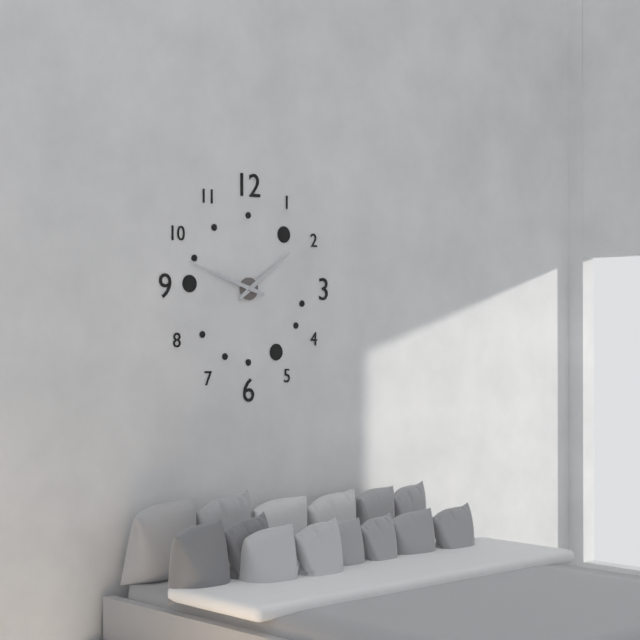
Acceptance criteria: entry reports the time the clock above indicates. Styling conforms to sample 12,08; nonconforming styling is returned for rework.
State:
1,48
